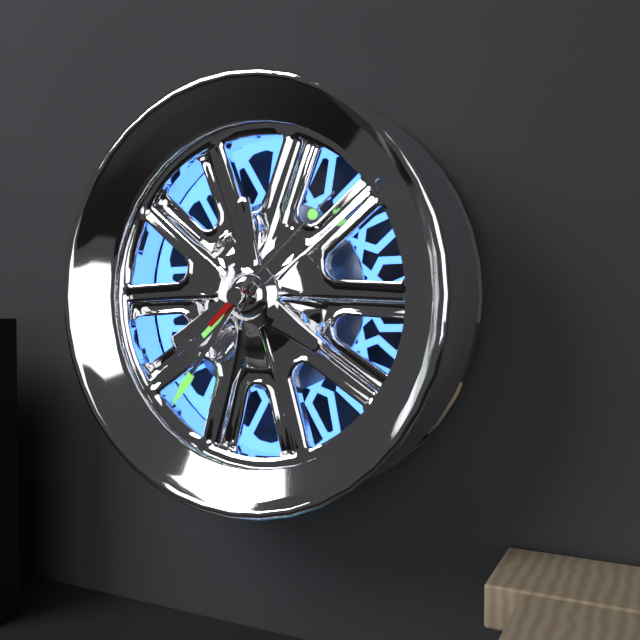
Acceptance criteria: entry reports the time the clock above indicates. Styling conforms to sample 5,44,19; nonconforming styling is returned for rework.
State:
7,36,08
